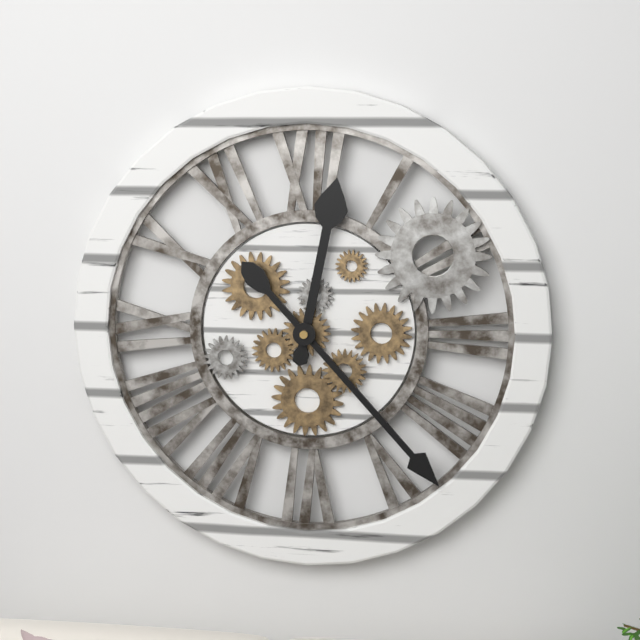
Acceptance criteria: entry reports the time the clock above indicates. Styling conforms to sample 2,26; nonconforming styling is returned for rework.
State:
12,23
